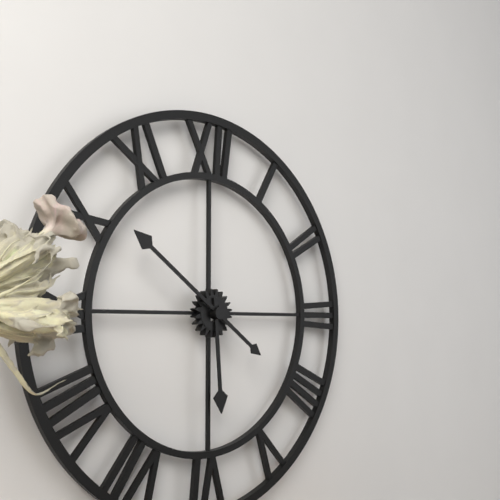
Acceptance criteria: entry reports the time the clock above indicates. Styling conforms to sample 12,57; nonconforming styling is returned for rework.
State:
5,51
